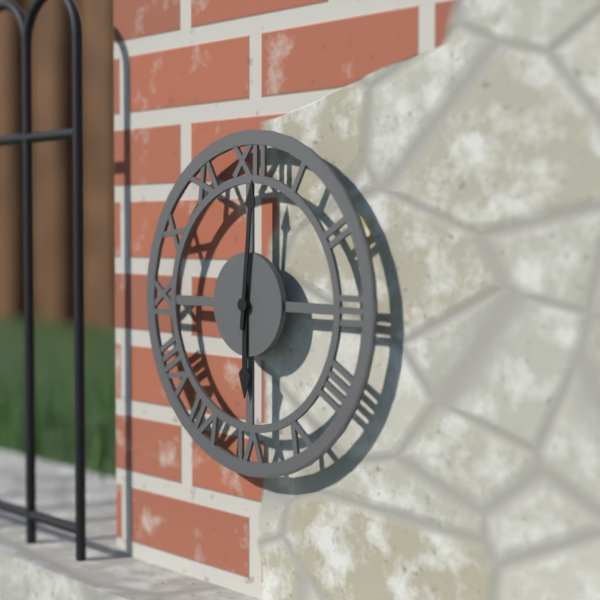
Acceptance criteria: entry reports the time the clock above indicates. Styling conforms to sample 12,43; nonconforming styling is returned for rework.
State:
6,01
